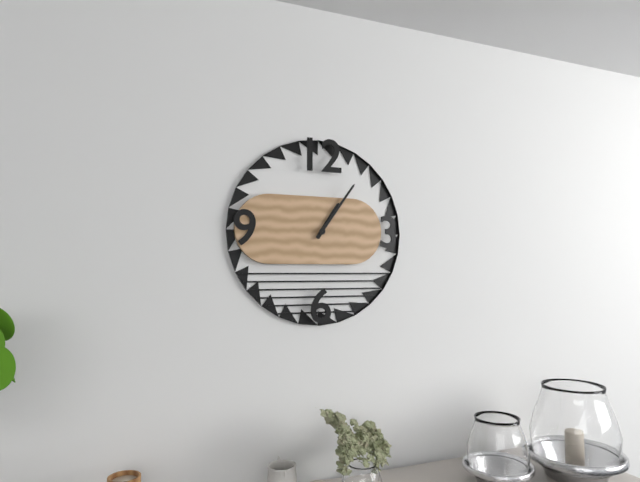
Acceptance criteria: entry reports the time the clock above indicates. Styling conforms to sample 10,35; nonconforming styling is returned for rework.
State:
1,06
